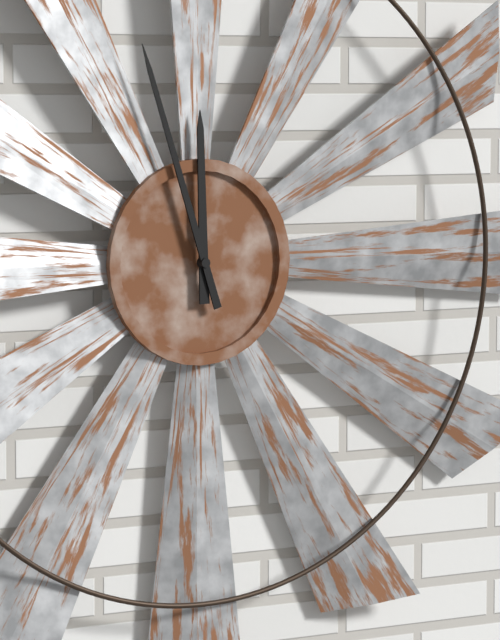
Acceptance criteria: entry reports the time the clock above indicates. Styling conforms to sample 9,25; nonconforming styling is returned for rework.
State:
11,57
